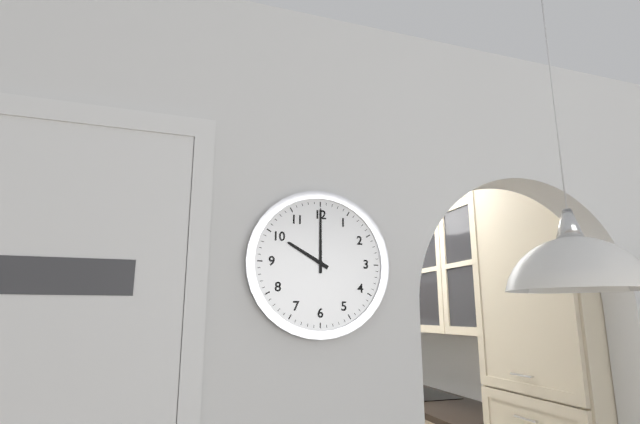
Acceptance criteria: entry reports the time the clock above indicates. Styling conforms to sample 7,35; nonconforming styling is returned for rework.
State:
10,00
